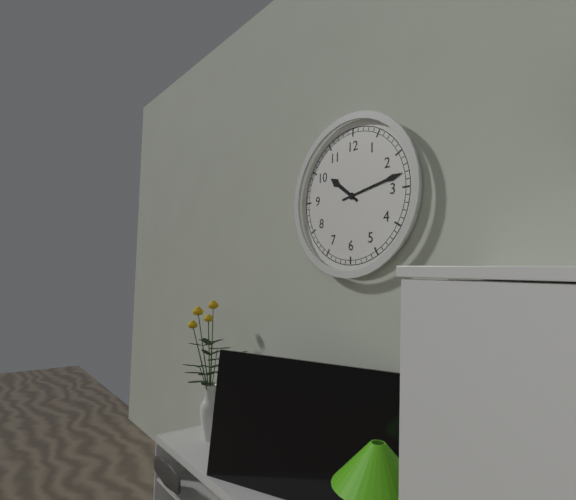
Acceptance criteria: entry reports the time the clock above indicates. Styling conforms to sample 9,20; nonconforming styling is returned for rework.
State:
10,13
